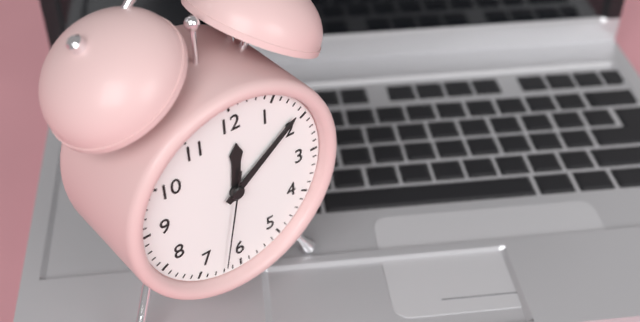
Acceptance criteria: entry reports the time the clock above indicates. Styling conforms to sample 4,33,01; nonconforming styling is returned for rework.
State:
12,09,32
